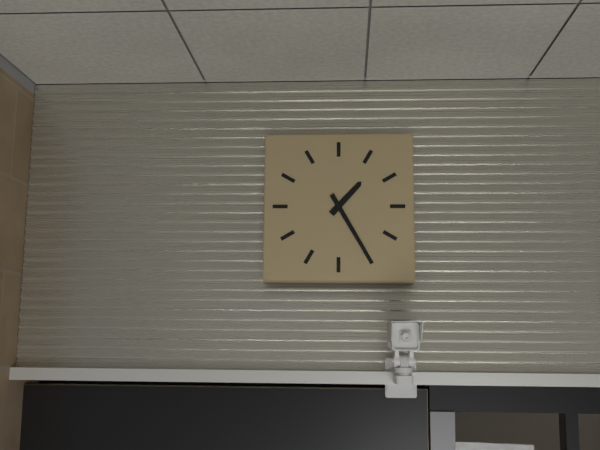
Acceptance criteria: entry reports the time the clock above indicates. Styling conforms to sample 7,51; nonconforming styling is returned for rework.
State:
1,25
